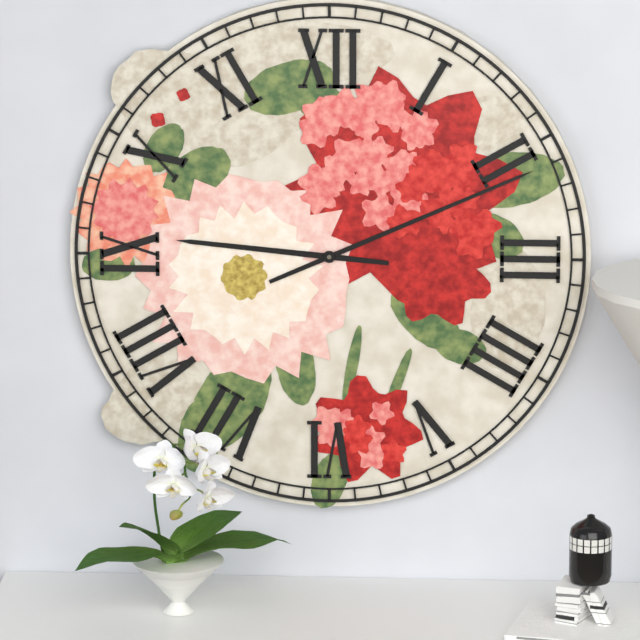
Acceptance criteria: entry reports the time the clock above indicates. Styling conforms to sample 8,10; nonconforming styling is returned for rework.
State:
9,11
